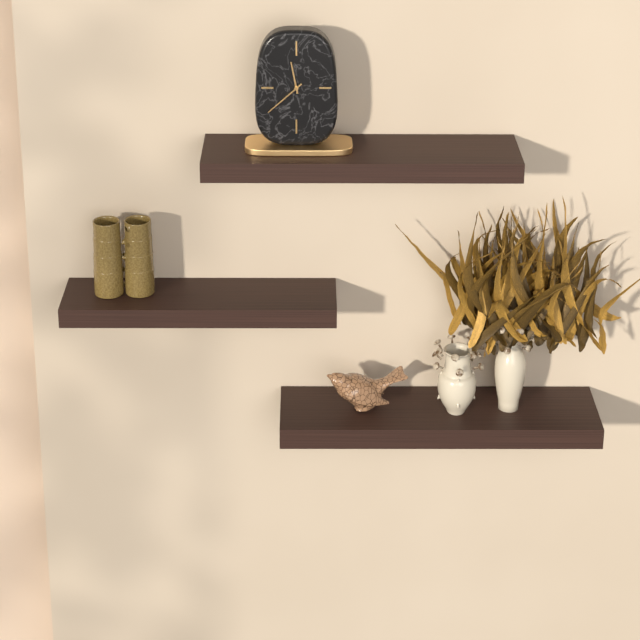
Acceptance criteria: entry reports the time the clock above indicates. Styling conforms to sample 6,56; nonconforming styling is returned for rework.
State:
11,38
